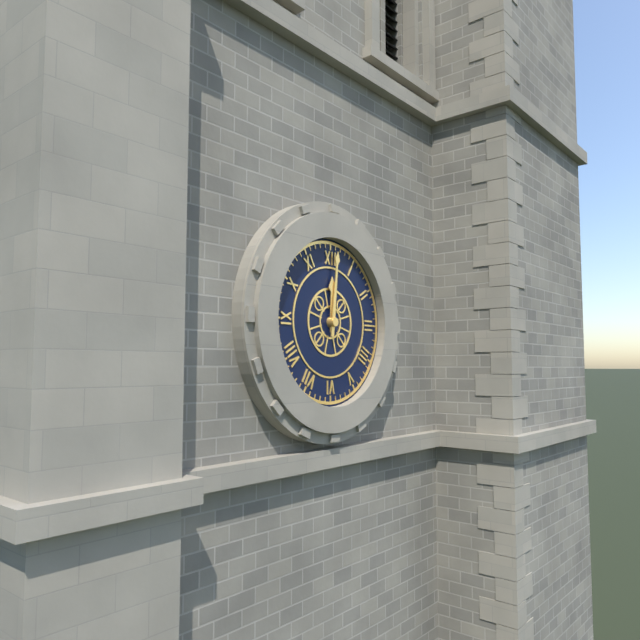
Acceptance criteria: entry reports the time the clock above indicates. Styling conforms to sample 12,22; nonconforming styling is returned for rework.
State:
12,01
